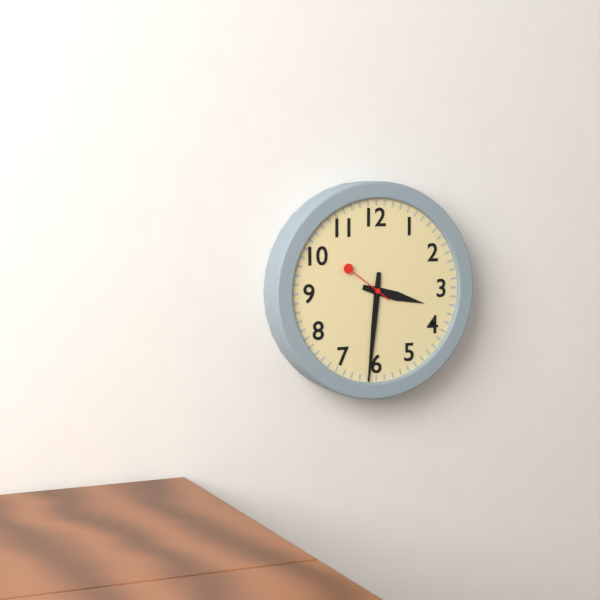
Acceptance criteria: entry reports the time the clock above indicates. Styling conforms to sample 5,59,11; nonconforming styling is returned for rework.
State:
3,31,51
